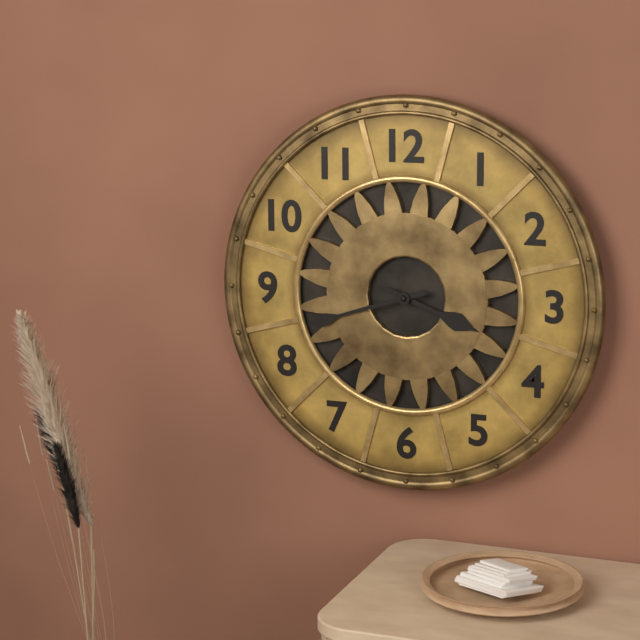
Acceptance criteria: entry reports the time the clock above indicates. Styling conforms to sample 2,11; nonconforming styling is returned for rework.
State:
3,42
